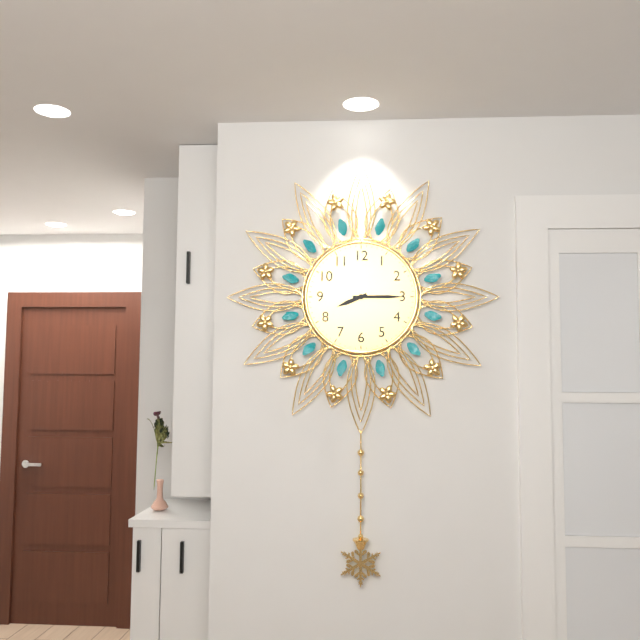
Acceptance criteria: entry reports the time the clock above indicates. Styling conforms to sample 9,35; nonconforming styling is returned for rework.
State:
8,15
